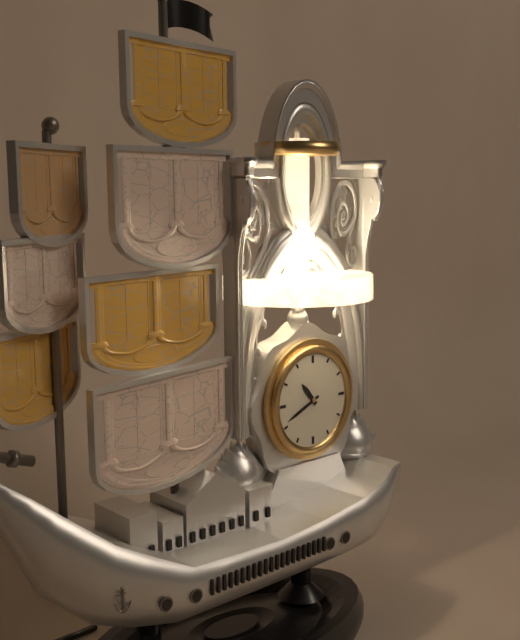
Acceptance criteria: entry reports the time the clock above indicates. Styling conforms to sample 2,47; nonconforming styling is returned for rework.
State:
10,41
